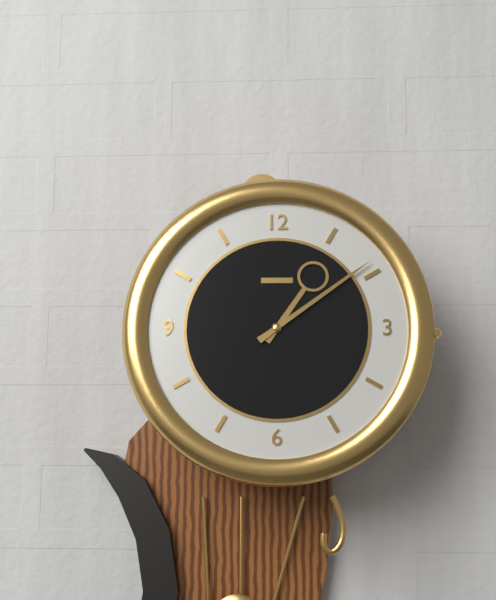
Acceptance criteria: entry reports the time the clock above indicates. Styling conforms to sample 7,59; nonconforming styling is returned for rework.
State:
1,09
